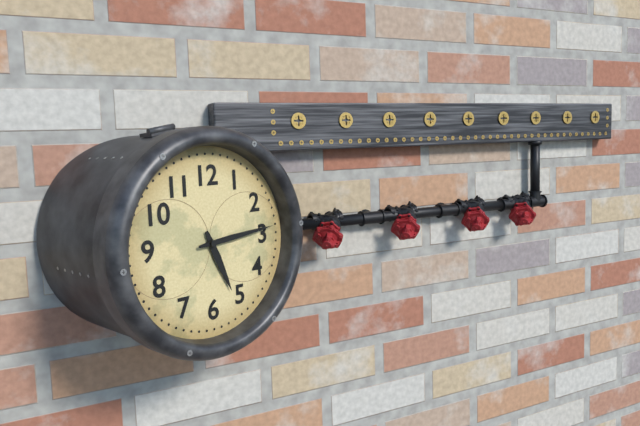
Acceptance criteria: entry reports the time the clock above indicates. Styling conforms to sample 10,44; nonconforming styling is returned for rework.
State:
5,14
